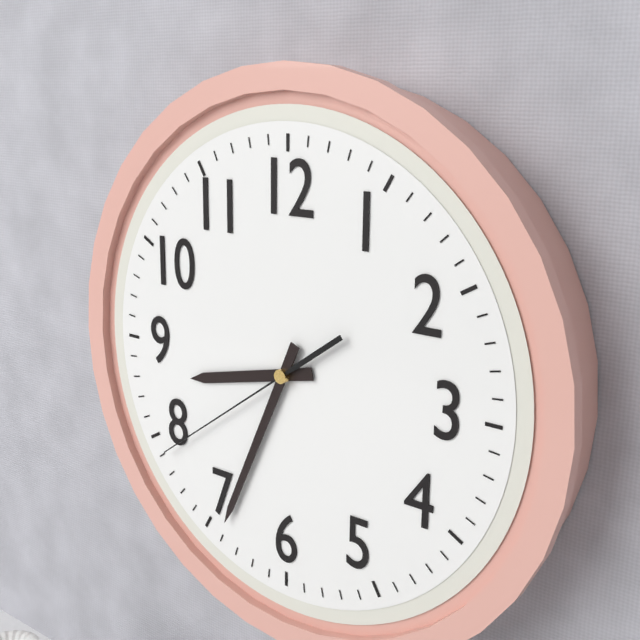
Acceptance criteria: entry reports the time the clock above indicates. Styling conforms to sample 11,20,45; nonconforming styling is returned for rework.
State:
8,34,39
